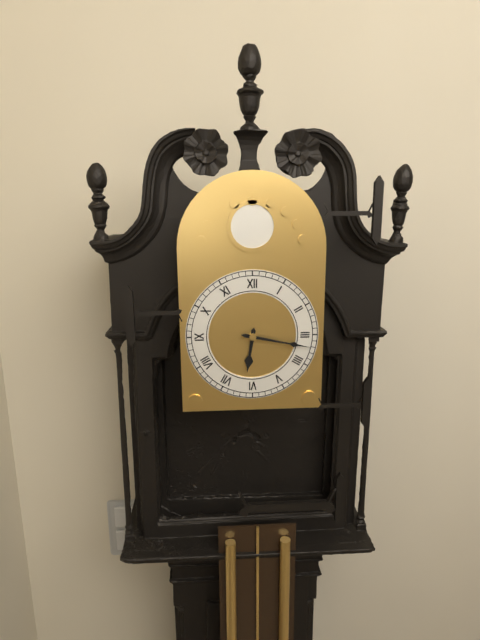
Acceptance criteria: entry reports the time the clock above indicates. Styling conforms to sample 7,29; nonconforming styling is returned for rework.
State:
6,17
